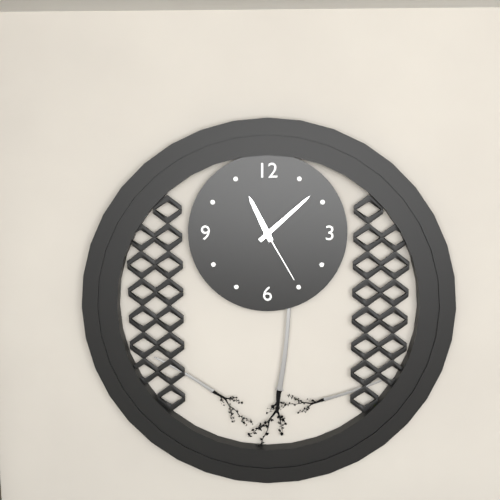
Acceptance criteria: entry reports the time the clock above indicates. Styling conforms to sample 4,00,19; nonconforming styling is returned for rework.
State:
11,08,25
